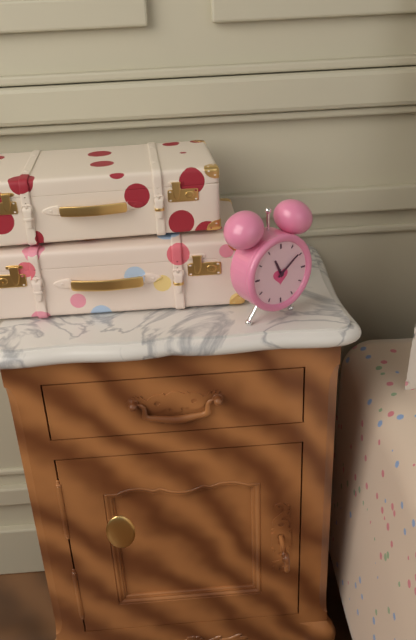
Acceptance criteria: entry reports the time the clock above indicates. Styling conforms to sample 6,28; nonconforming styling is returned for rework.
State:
11,09
